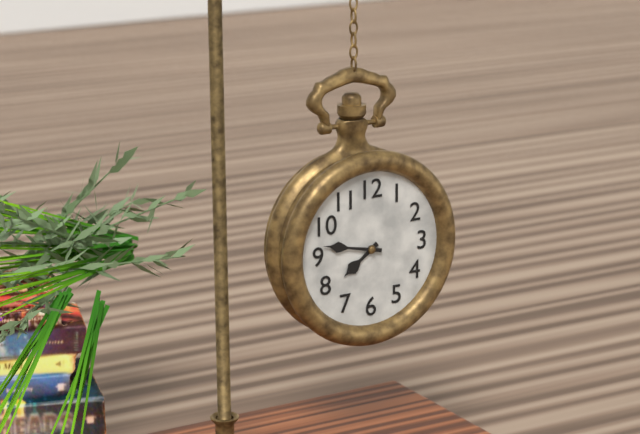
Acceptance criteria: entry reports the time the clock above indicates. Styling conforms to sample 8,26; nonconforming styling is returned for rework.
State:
7,47
